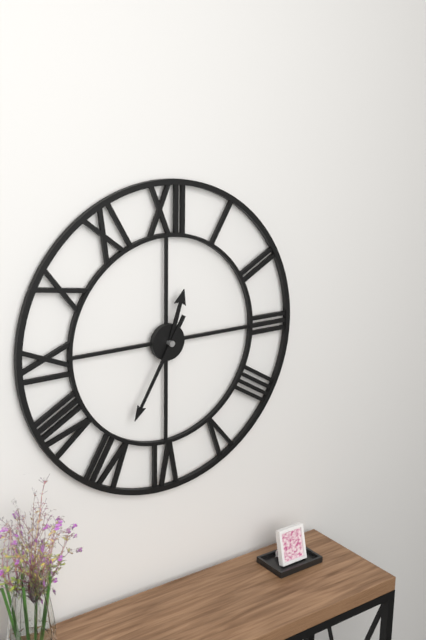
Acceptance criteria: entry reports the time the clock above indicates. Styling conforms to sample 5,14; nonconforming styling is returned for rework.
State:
12,35
